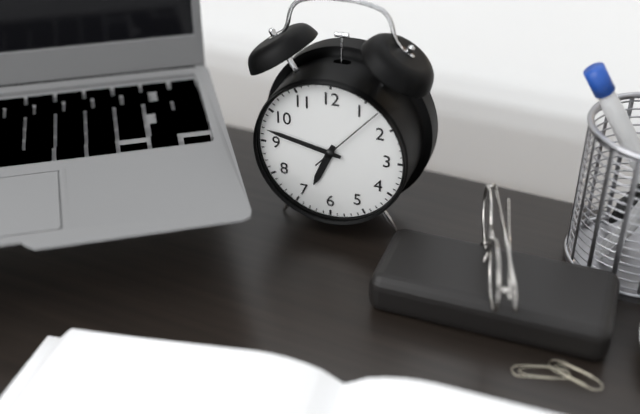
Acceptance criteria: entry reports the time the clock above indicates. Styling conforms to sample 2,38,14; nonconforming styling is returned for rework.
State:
6,47,07
